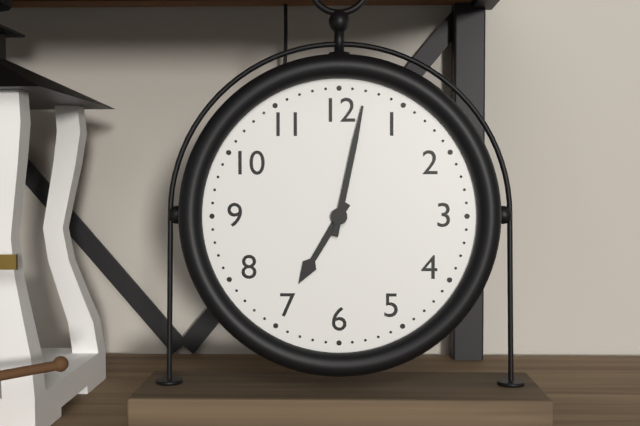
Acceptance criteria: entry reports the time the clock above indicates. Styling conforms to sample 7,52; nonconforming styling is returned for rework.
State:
7,02
